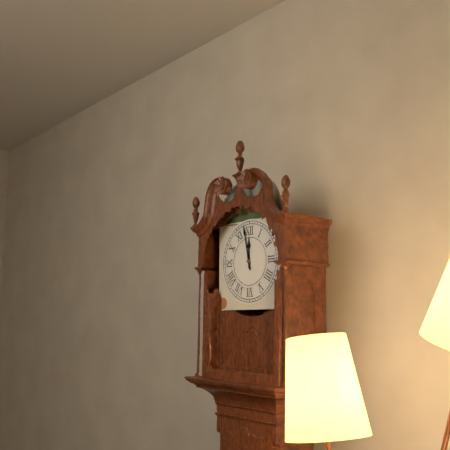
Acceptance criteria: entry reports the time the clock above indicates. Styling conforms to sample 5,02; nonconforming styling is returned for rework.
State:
11,58
